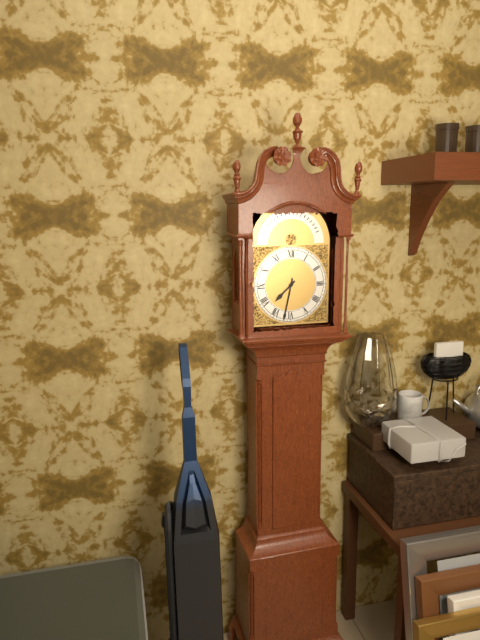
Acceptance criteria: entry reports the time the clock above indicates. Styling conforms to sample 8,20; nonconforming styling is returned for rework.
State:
7,32
